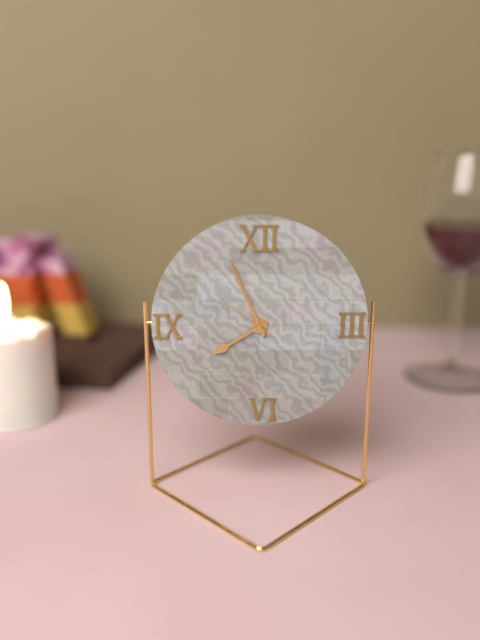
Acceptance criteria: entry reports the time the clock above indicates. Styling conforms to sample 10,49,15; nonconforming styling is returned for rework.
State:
7,56,51
